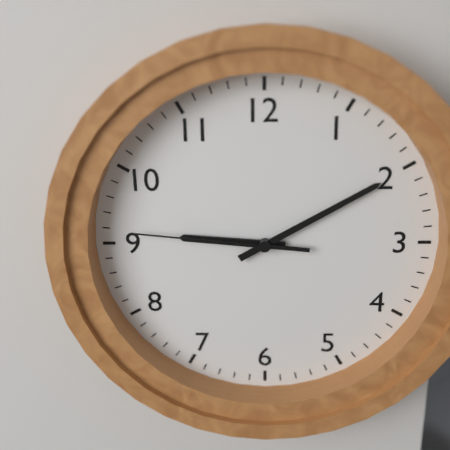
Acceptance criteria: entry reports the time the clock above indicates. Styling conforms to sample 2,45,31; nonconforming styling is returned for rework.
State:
9,10,46
